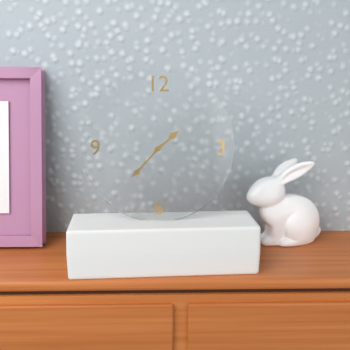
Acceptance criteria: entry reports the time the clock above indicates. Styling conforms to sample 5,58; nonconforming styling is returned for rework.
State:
1,37
